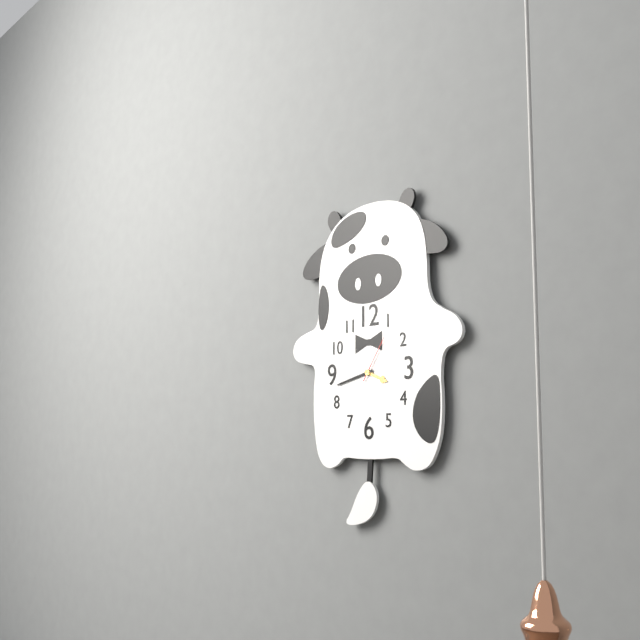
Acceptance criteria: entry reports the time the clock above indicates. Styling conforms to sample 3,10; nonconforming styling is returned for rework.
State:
3,43
